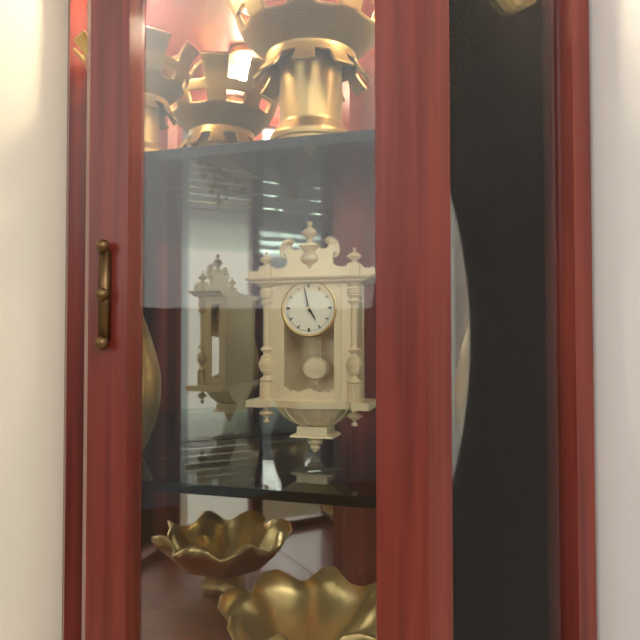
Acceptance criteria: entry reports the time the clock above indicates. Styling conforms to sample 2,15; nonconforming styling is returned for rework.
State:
4,58
